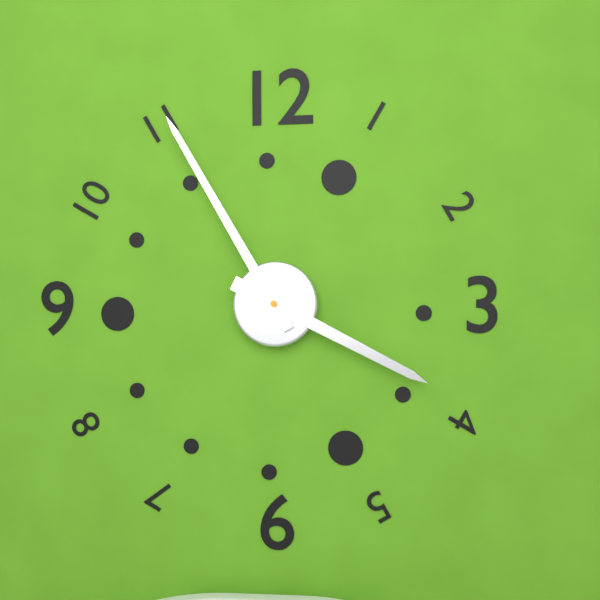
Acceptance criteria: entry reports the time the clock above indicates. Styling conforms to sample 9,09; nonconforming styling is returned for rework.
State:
3,55
